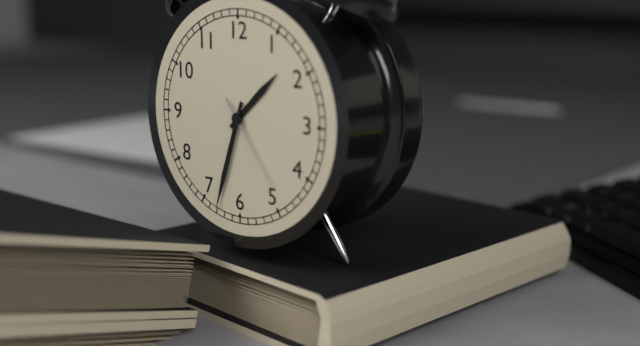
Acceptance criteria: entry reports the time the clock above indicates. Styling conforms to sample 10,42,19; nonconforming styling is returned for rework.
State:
1,33,24
